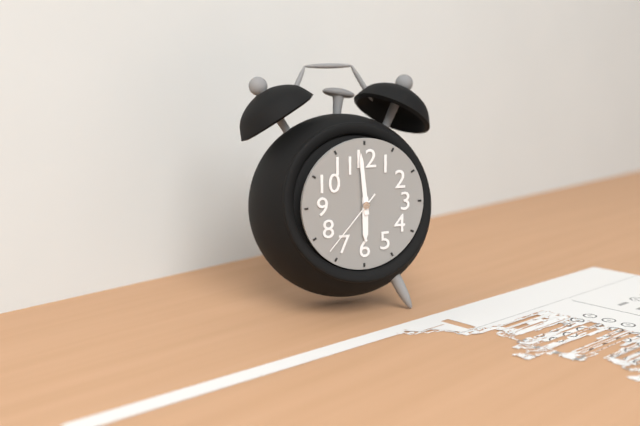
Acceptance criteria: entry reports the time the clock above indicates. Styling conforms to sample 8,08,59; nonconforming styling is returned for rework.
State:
5,59,37
